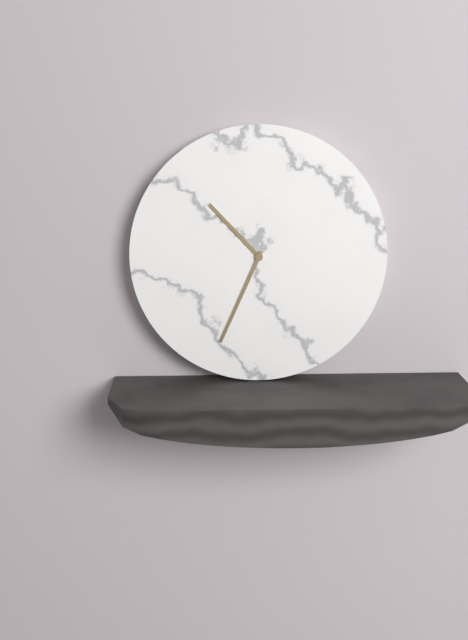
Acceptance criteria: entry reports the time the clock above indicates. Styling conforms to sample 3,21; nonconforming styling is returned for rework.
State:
10,34
